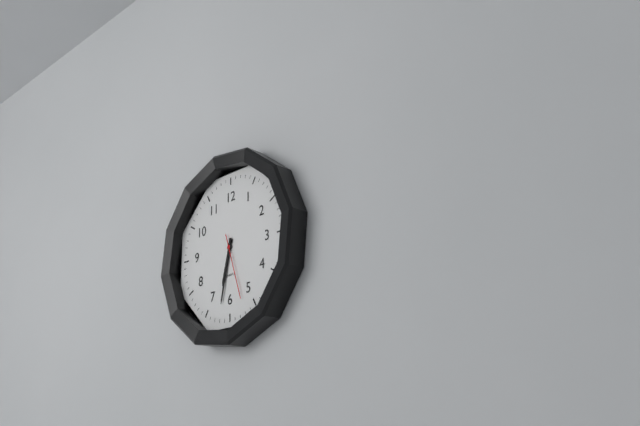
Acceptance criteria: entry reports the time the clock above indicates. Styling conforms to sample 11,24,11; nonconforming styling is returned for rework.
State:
6,32,27
